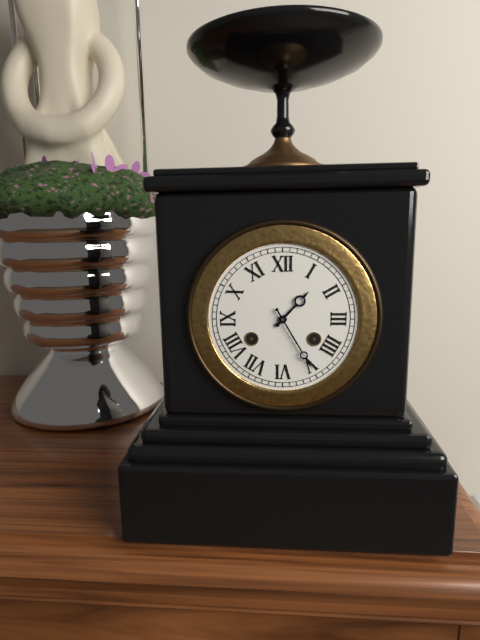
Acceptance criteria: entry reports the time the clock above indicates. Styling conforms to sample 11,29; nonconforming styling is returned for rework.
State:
1,25
